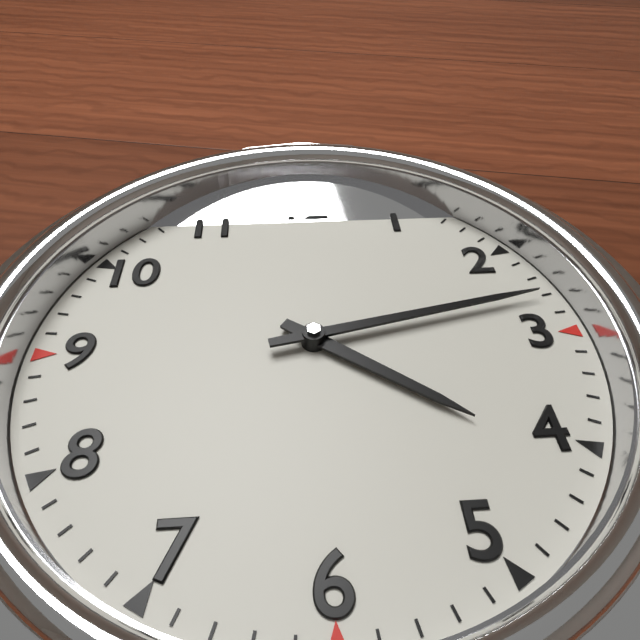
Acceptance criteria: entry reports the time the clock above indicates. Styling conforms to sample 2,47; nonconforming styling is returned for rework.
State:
4,13
